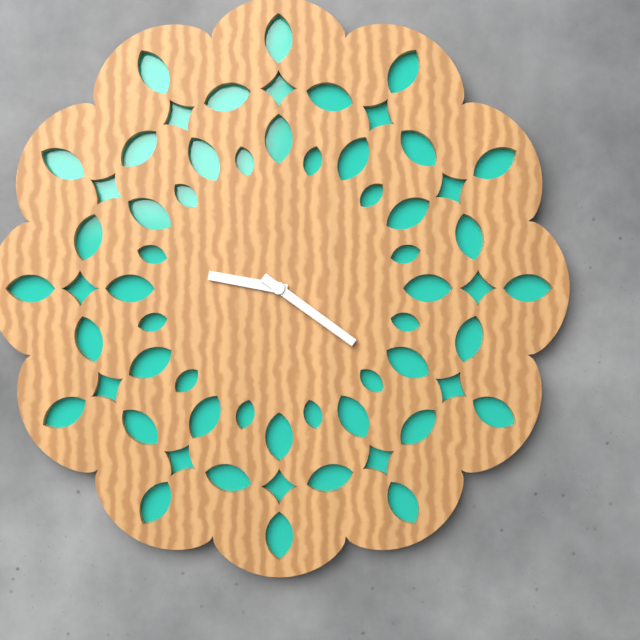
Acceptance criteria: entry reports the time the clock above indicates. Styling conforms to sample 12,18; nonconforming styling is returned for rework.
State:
9,21
